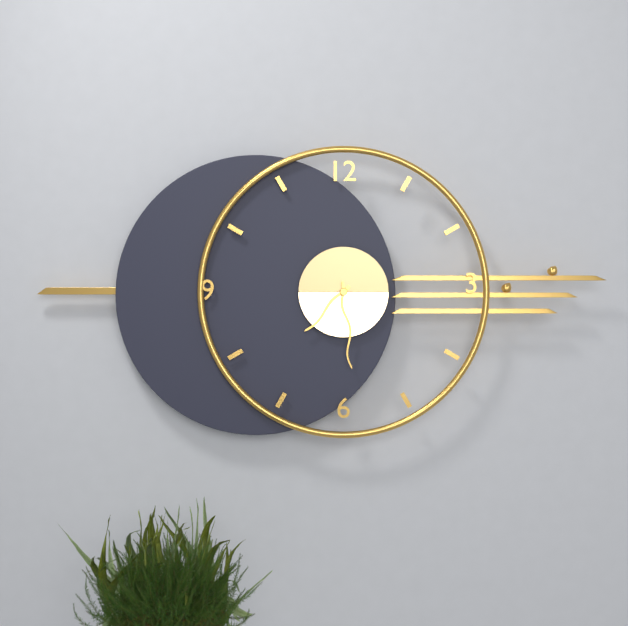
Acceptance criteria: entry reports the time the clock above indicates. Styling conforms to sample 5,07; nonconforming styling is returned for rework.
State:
7,29
